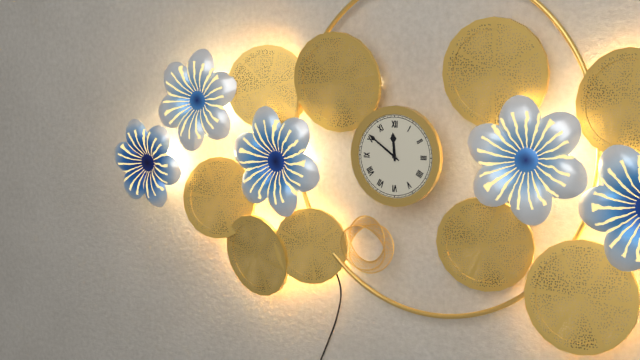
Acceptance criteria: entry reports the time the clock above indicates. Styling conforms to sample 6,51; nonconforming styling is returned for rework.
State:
11,51
